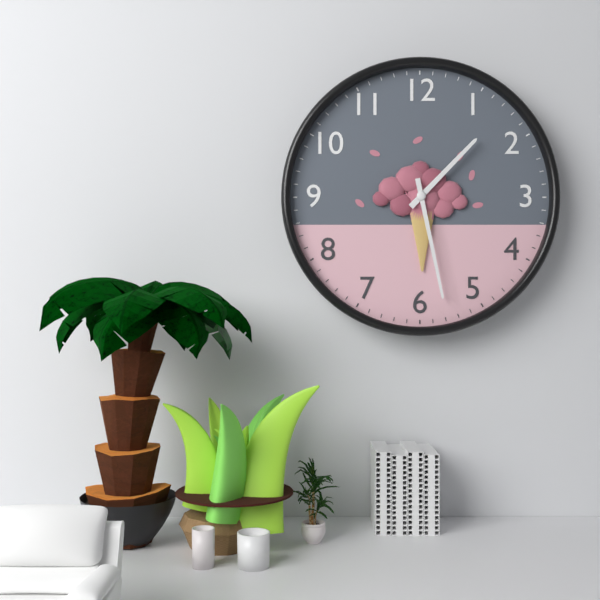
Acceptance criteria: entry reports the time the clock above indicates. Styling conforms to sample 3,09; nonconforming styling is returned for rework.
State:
1,28
